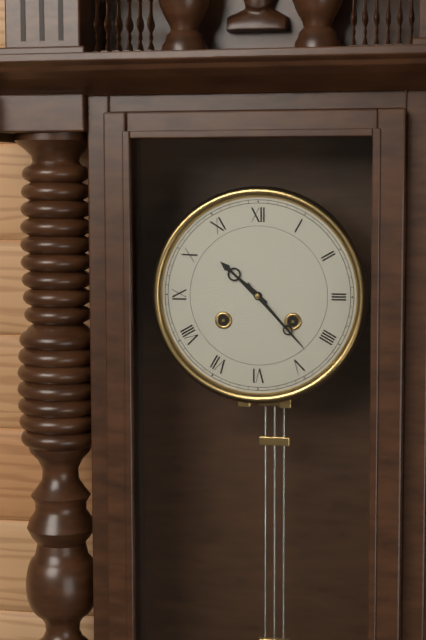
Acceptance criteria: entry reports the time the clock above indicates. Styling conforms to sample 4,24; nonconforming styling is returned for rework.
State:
10,23
